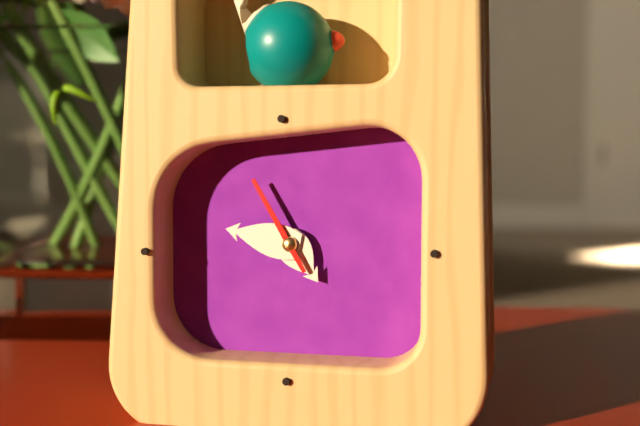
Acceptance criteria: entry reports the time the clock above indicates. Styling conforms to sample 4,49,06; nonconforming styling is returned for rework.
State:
4,47,55
